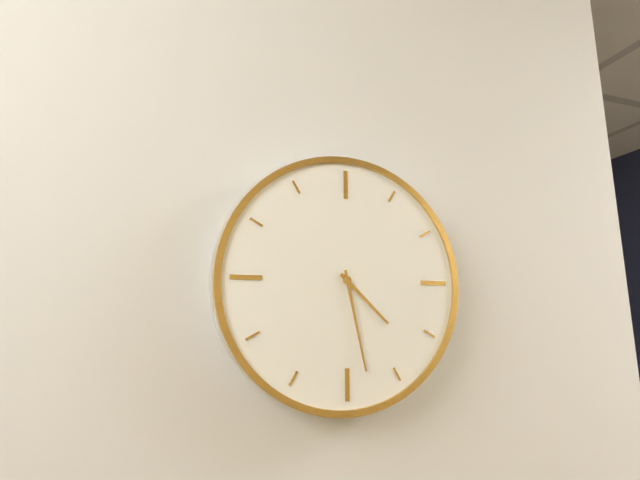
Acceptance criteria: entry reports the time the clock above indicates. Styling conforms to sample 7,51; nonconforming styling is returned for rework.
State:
4,28
